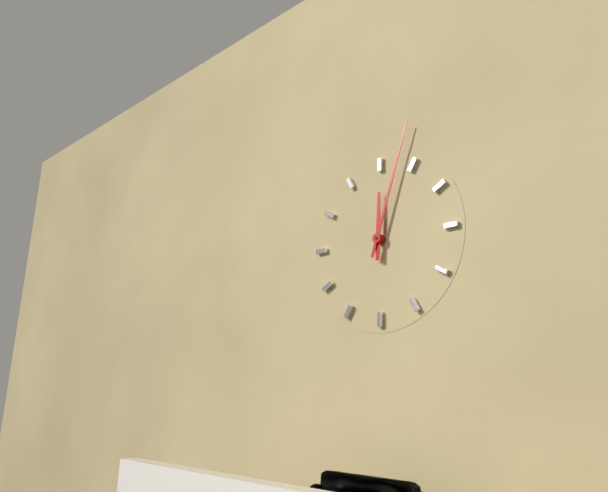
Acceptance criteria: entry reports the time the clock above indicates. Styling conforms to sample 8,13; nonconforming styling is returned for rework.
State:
12,03
